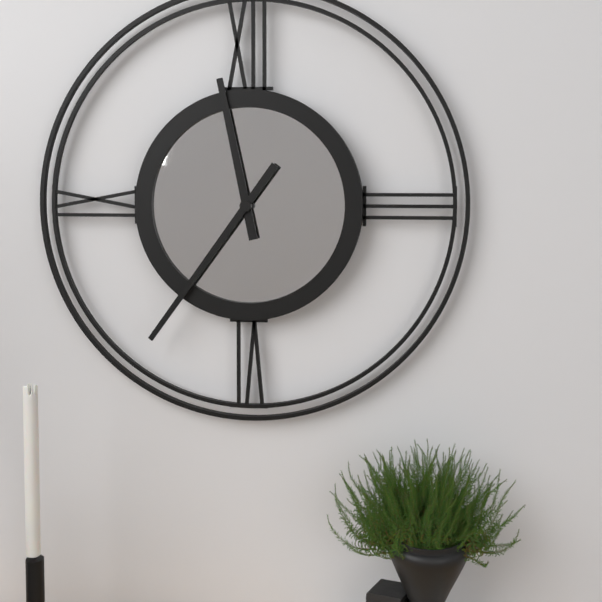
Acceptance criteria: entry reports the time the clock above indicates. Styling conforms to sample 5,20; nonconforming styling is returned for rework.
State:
11,36
